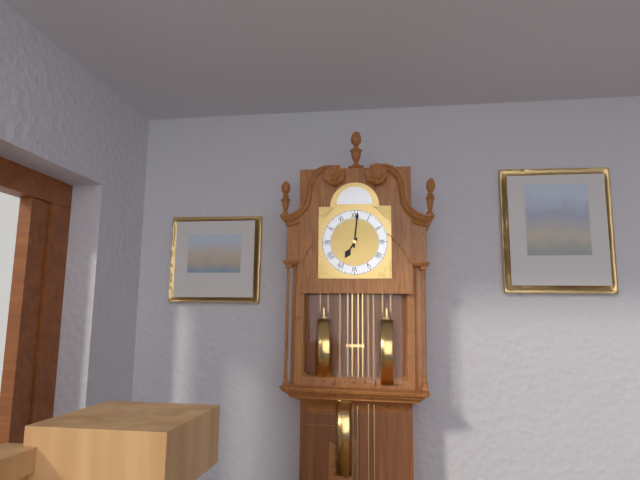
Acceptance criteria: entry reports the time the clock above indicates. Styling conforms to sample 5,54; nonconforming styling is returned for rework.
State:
7,01
